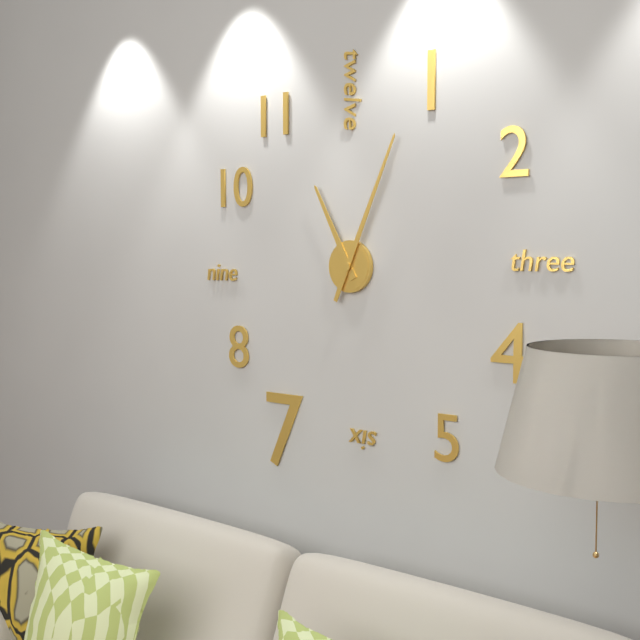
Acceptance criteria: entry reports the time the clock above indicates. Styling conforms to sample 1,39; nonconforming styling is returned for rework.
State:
11,04
